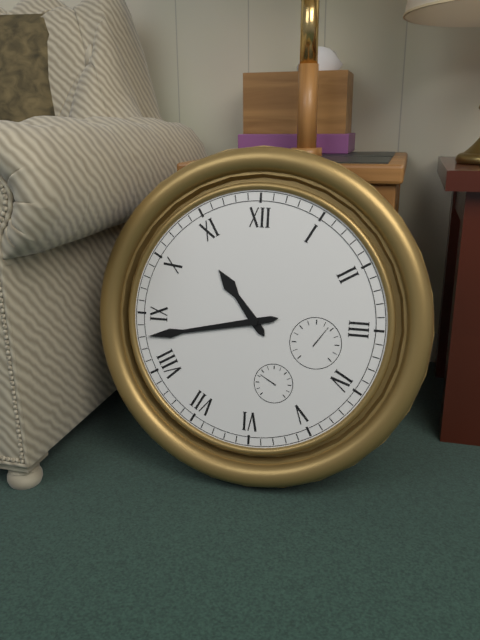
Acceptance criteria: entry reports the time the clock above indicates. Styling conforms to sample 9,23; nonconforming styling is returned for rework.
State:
10,43
